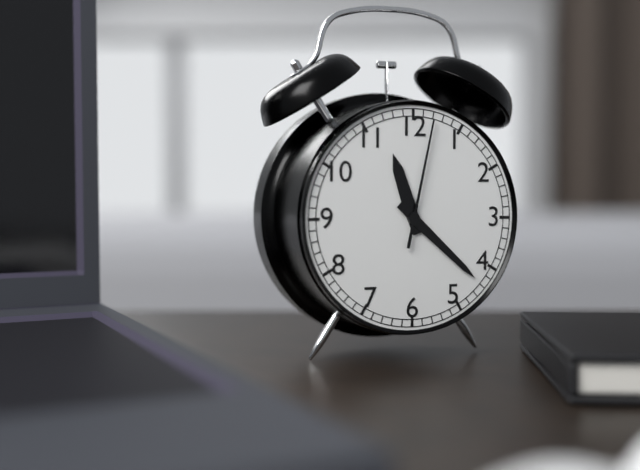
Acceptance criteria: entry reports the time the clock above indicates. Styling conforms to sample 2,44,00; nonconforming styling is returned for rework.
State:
11,22,02
